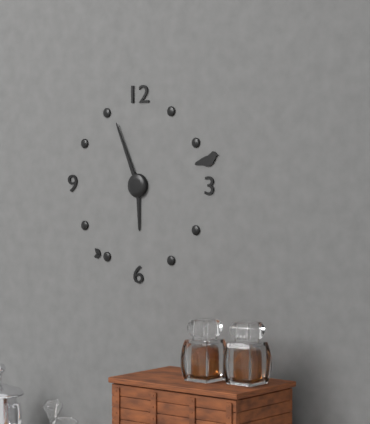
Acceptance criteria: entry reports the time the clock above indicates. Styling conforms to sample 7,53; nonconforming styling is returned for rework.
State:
5,56
